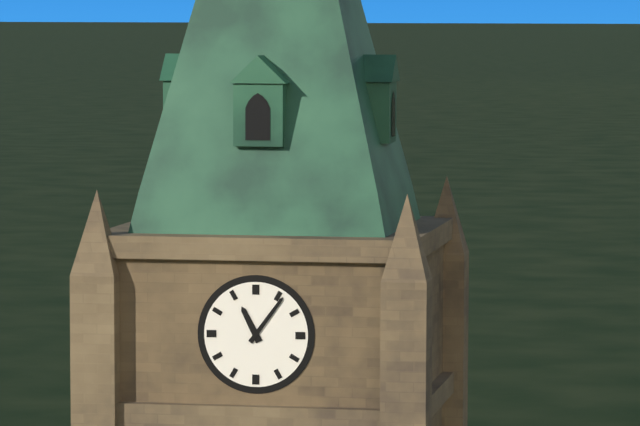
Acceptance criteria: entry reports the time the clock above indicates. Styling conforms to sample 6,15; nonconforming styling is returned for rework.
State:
11,06
